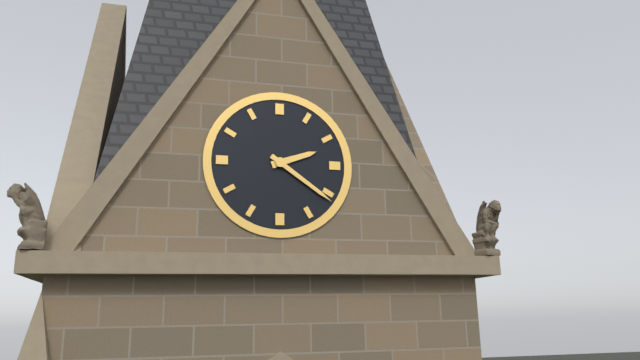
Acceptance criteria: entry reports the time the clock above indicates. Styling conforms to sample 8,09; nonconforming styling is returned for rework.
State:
2,21
